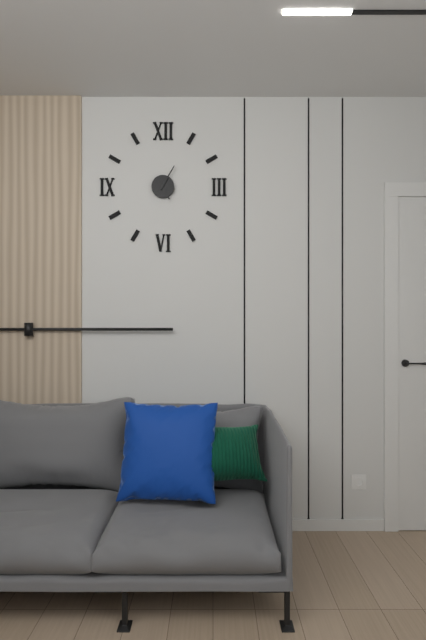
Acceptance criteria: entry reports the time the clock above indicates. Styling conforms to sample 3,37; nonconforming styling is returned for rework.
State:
5,05
